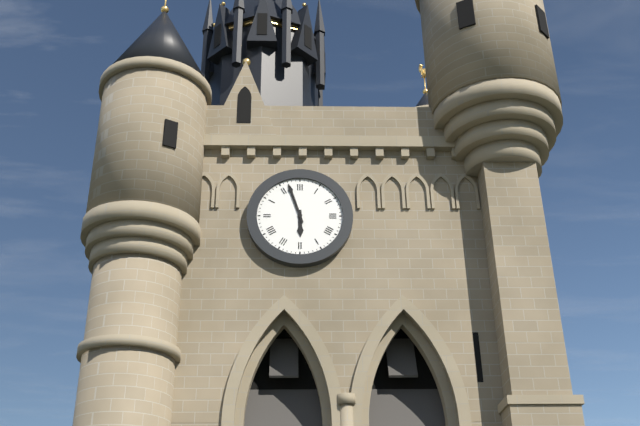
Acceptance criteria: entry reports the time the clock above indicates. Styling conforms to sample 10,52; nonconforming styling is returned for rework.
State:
5,57
